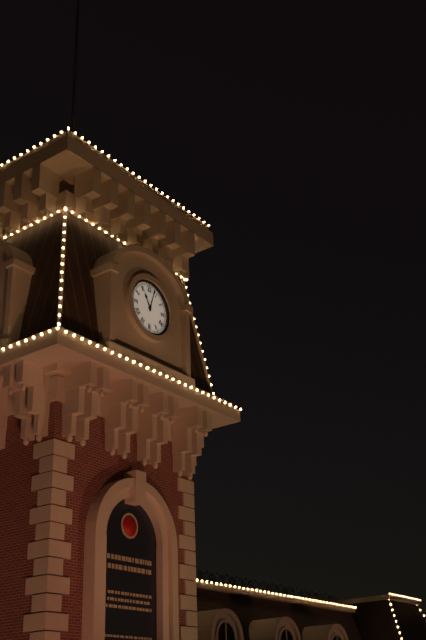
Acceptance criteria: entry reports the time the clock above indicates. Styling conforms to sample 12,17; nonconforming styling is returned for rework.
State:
11,03
